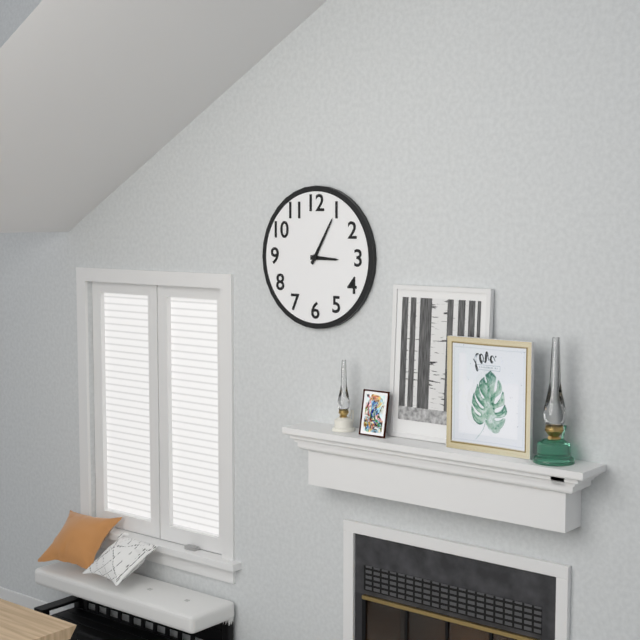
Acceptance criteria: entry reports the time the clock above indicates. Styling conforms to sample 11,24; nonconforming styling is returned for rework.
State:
3,05
